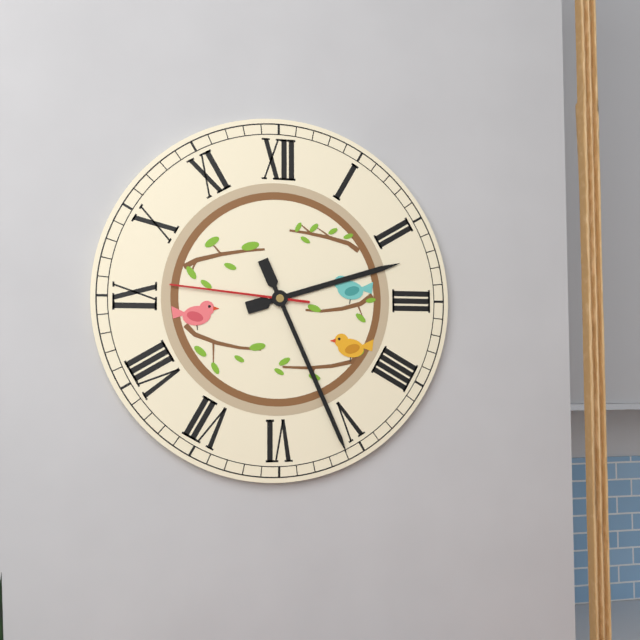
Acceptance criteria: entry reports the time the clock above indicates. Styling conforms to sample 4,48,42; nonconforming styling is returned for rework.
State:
2,26,46
